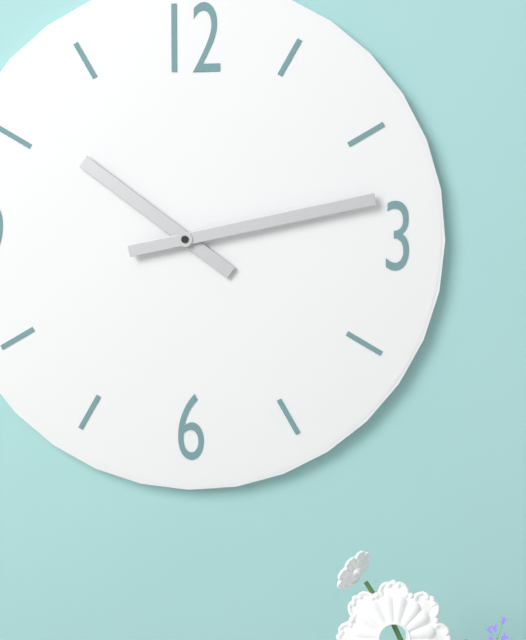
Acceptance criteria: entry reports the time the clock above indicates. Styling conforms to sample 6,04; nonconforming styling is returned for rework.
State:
10,13
